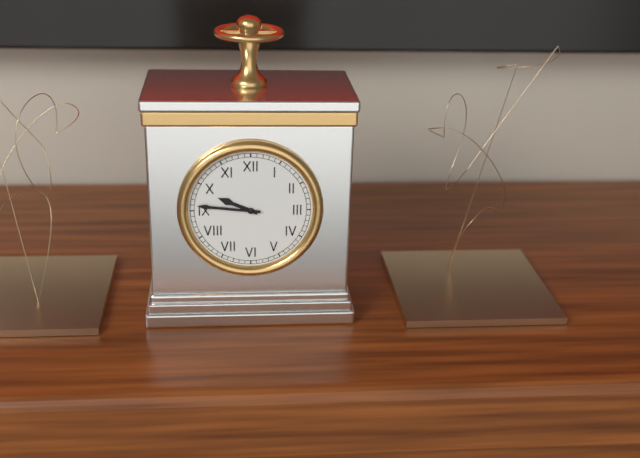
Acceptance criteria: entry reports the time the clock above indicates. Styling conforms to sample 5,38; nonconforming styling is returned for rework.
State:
9,46
